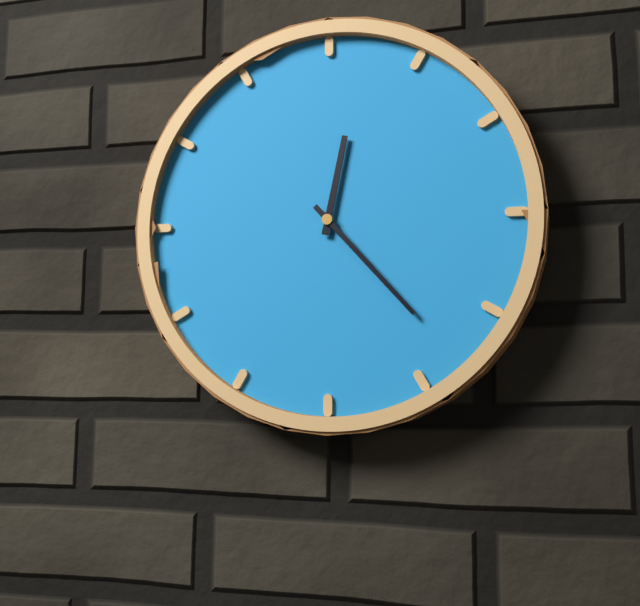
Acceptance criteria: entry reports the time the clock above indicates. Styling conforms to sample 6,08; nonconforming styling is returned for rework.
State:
12,23
